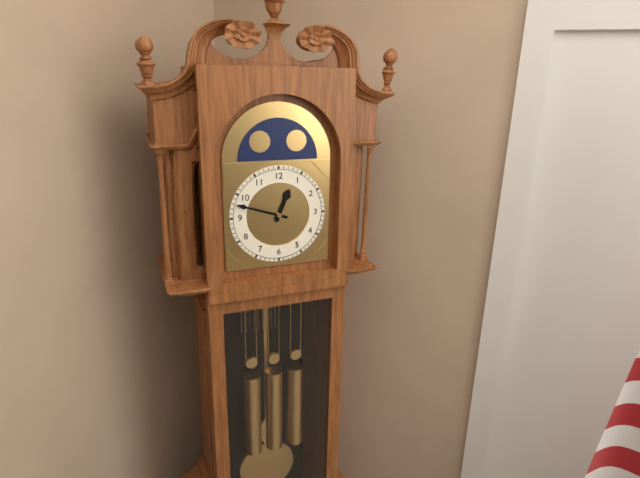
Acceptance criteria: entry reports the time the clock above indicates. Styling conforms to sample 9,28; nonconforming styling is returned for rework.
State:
12,48
